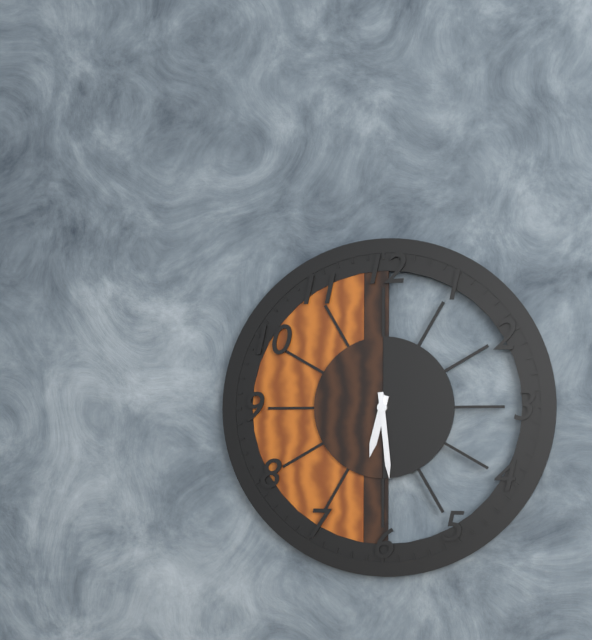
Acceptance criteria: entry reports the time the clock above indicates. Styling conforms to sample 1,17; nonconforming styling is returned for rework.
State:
6,29
